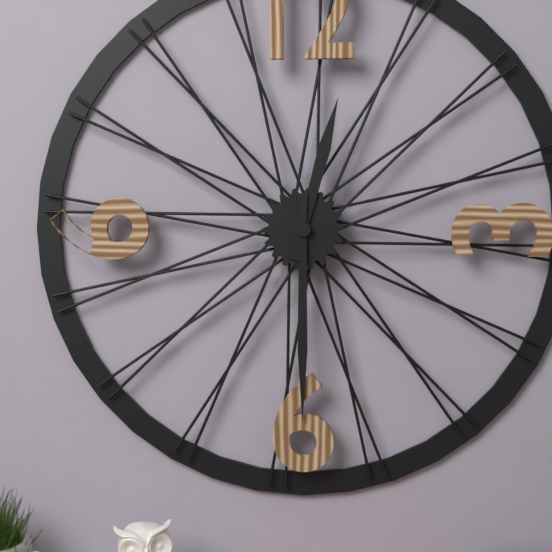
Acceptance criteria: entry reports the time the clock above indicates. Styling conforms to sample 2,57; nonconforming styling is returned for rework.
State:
12,30
